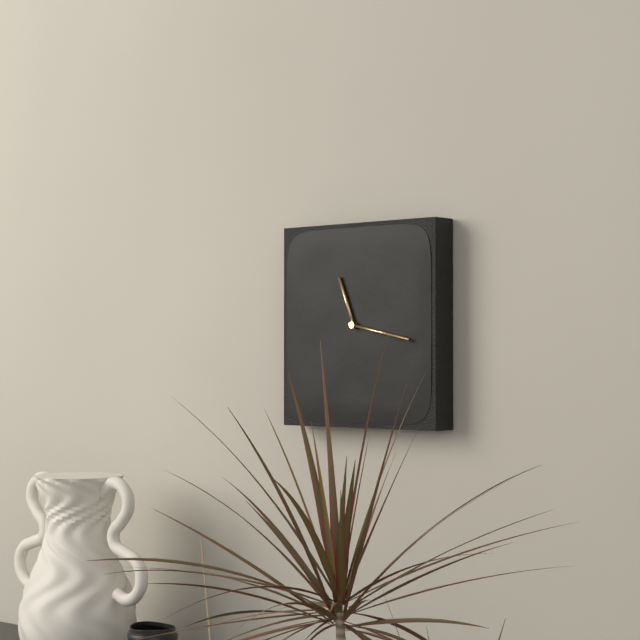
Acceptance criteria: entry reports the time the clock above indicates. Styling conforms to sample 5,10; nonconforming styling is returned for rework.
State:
11,17
